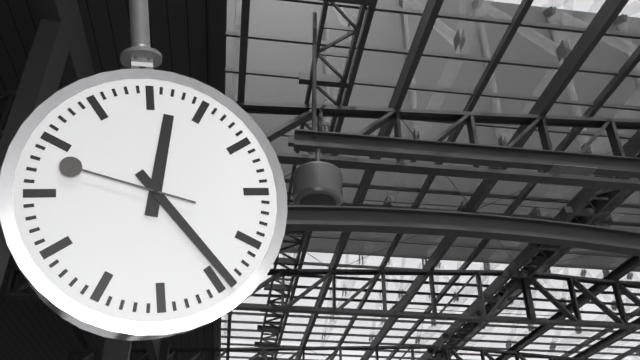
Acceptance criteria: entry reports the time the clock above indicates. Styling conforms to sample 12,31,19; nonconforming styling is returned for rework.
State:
12,24,48
